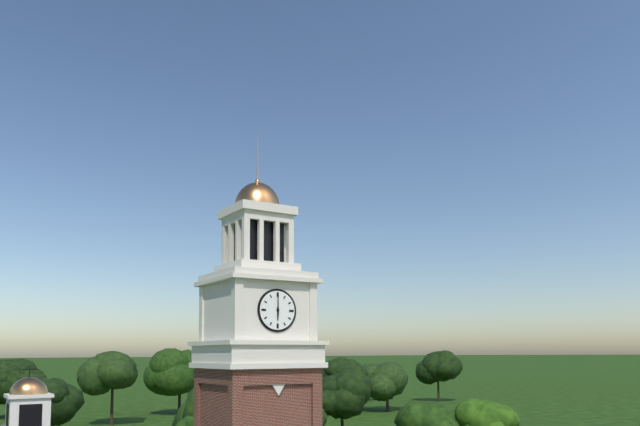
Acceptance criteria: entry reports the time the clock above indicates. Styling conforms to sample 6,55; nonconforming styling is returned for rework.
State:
6,00
